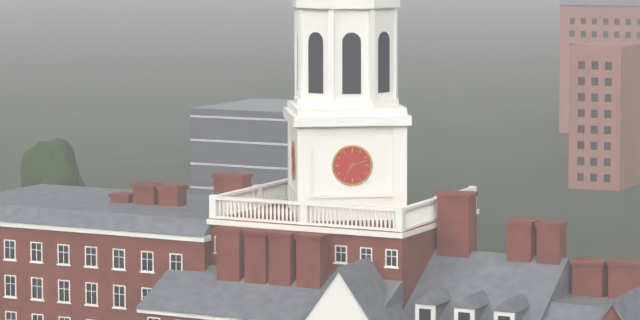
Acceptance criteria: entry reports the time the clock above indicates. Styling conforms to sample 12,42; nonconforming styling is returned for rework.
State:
7,12
